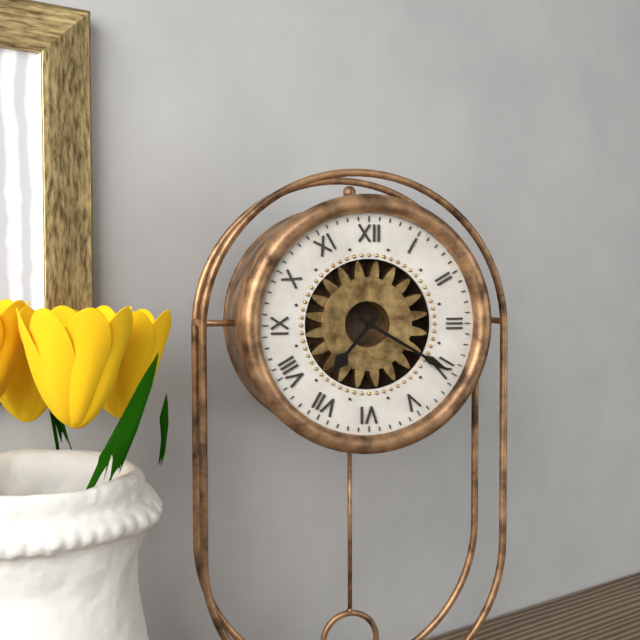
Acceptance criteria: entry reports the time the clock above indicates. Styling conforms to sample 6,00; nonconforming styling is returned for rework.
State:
7,20
